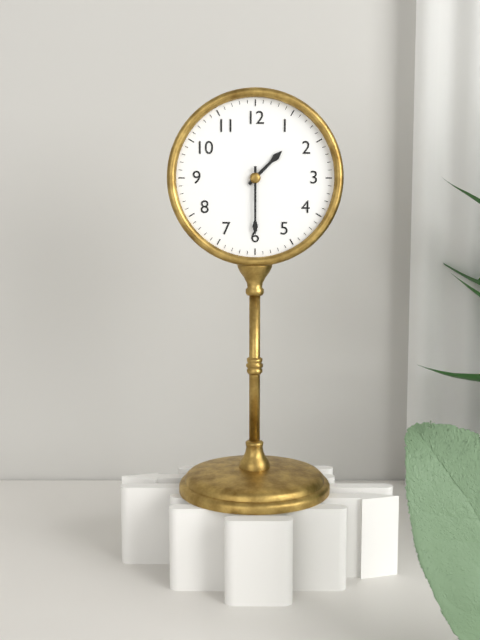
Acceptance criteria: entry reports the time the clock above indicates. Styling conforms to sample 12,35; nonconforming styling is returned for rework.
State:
1,30
